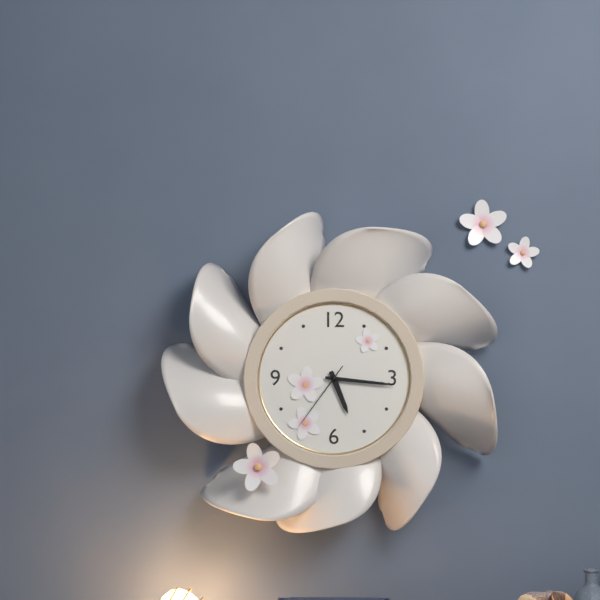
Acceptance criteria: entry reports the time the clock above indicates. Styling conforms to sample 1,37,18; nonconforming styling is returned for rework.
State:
5,16,36
